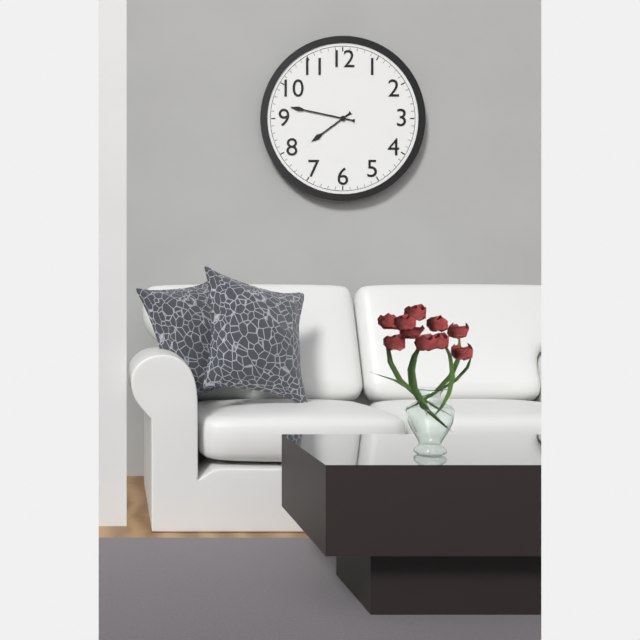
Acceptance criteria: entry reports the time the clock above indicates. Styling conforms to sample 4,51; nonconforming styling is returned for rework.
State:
7,47
